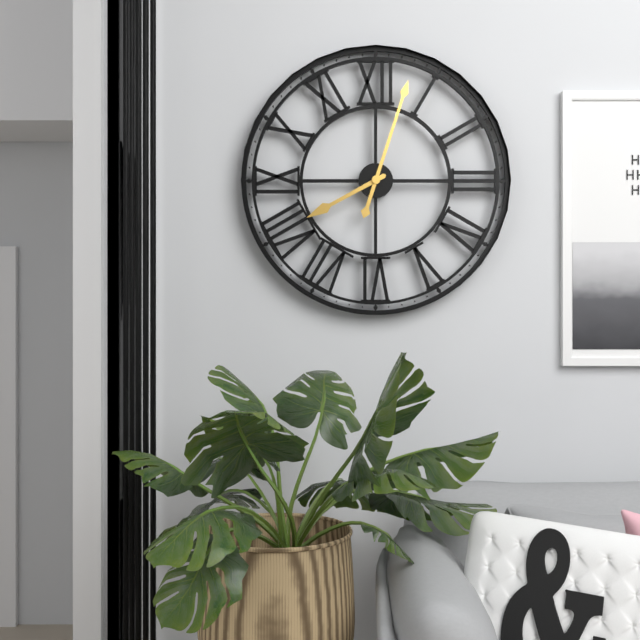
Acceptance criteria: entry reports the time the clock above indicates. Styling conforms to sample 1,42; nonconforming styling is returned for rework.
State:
8,03
